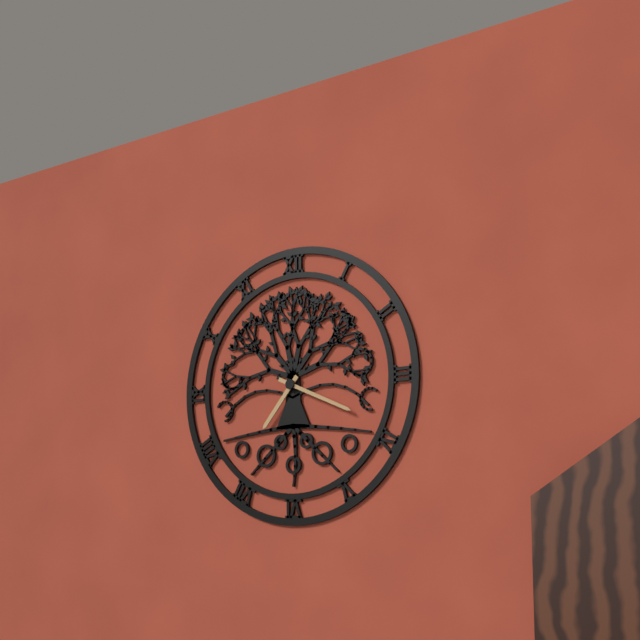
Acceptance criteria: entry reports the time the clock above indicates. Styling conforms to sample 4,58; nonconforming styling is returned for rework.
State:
7,19
